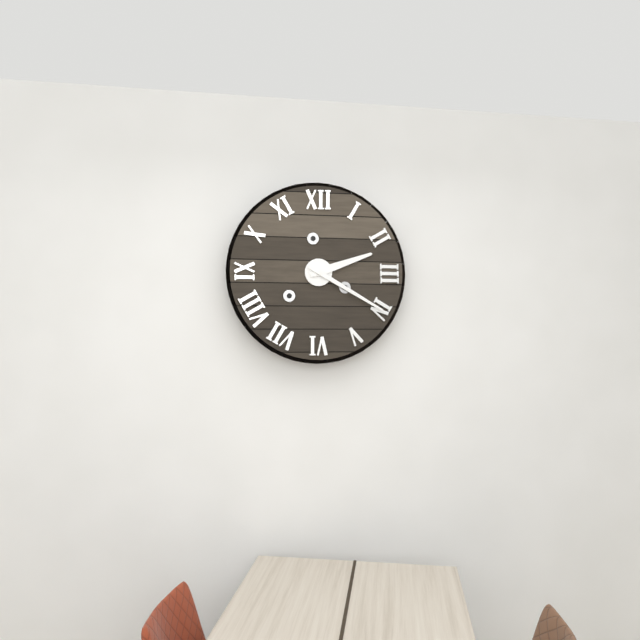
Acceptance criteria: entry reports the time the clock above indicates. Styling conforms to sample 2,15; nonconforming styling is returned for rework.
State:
2,20
